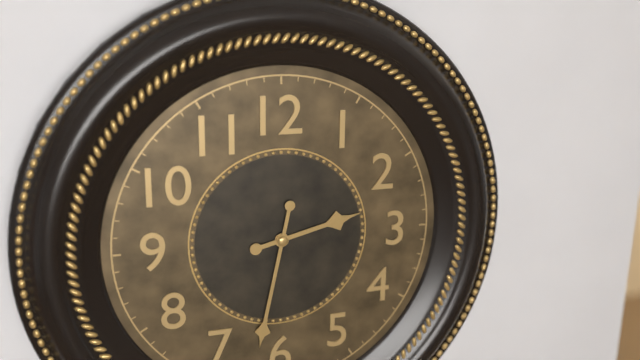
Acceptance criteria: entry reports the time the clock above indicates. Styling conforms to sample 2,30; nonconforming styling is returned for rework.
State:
2,32
